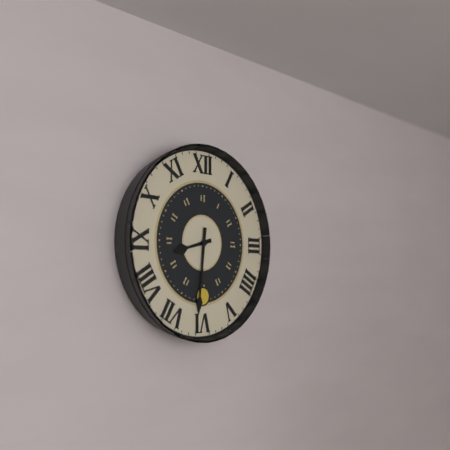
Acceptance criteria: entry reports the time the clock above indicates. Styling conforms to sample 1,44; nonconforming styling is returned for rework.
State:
8,31
